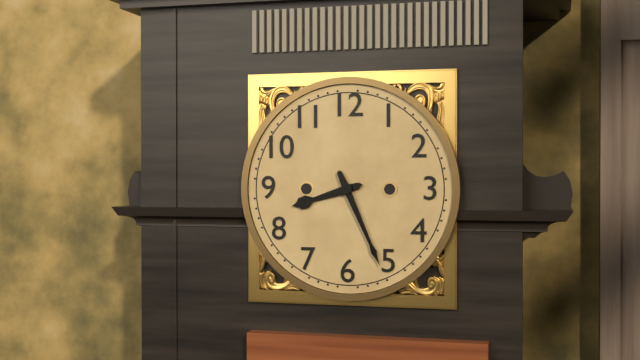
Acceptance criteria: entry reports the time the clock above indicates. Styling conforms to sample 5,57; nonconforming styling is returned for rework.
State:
8,26
